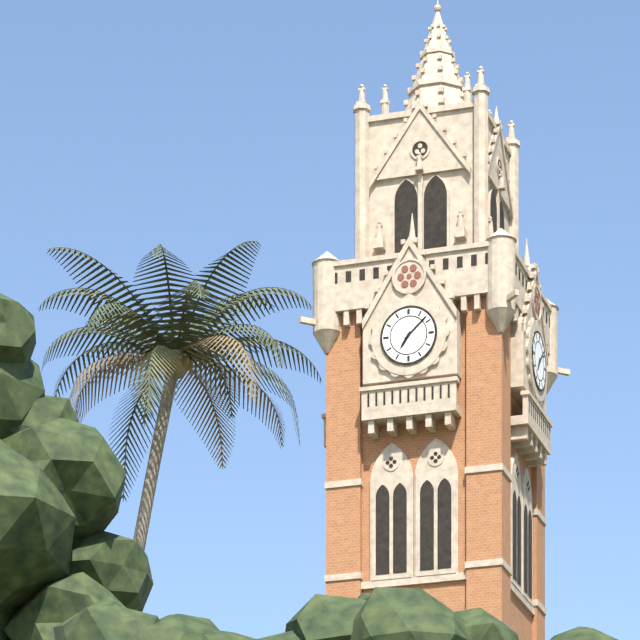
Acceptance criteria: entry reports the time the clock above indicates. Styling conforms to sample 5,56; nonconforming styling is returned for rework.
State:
7,08
